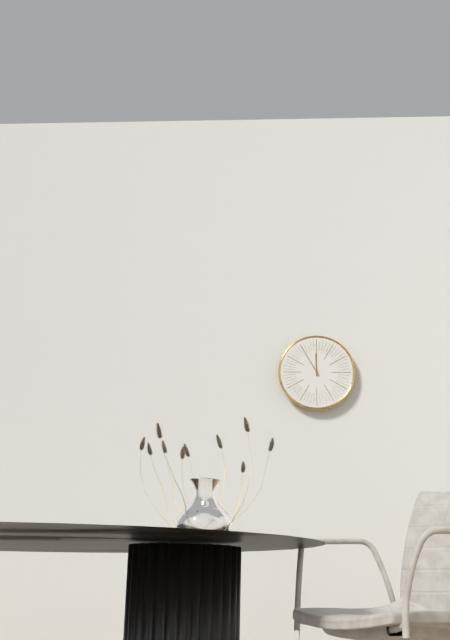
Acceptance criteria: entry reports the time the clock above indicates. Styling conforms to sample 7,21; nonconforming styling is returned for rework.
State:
11,55
